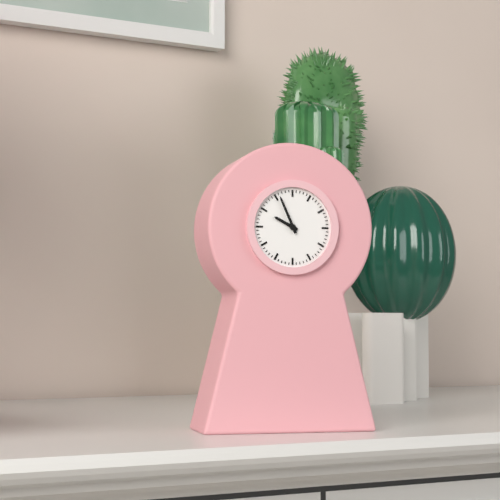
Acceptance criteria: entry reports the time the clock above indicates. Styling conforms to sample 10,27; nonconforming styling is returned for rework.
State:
9,56
